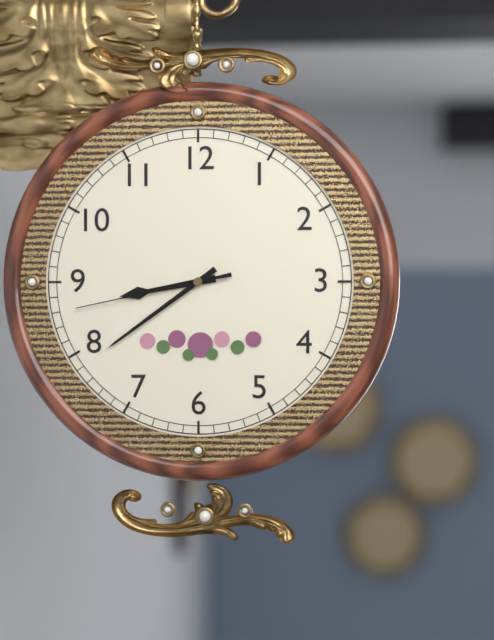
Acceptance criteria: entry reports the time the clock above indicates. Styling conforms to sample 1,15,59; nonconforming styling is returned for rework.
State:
8,39,43
